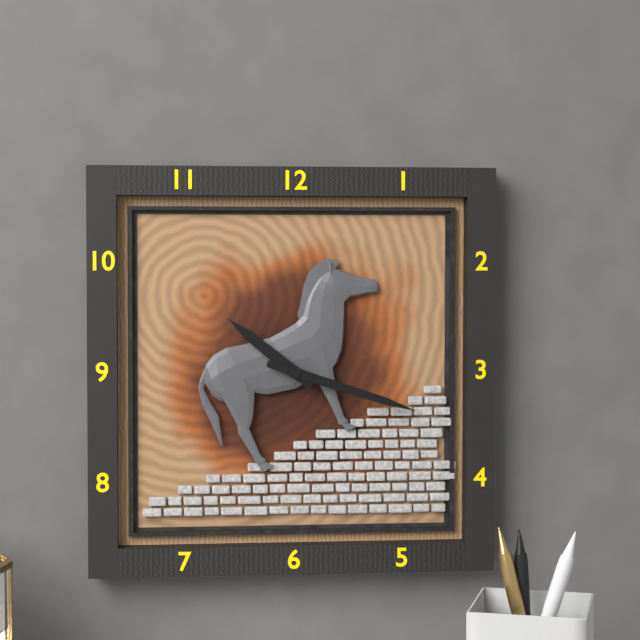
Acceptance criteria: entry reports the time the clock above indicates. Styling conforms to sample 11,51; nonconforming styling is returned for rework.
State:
10,18
